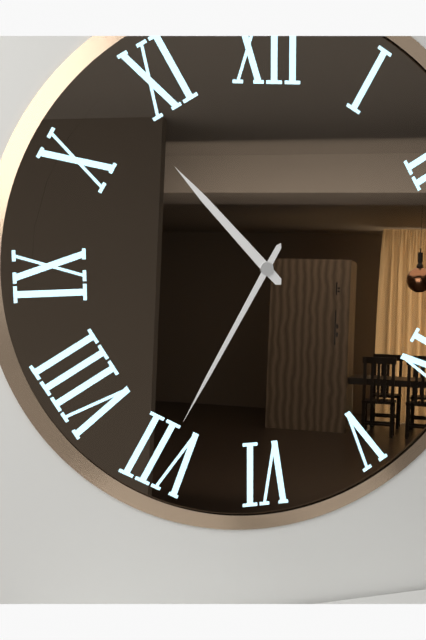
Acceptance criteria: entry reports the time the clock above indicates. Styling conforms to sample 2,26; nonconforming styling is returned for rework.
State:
10,35
